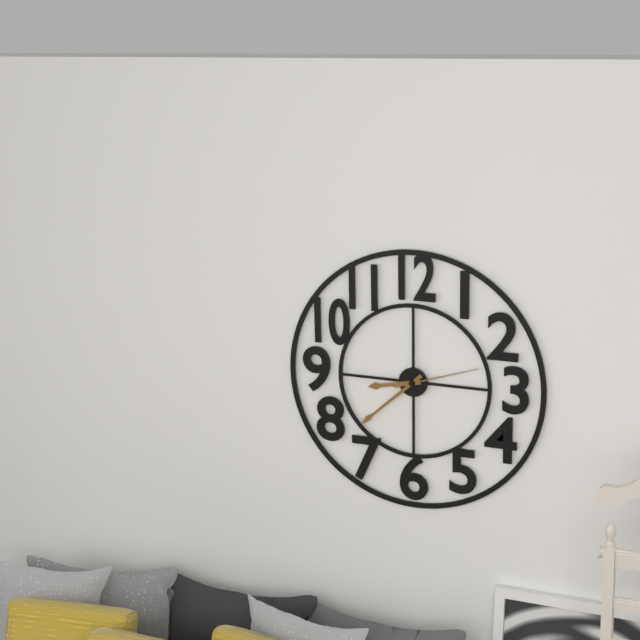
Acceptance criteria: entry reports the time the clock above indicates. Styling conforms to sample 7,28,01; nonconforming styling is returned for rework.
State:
8,38,12
